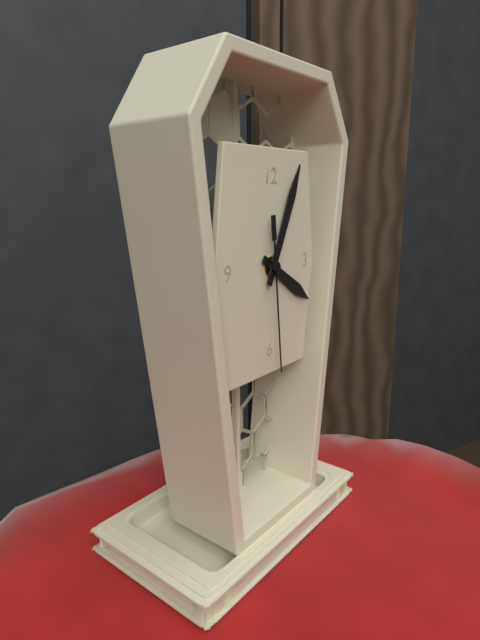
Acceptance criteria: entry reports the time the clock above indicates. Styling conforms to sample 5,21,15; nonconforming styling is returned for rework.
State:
4,04,29
